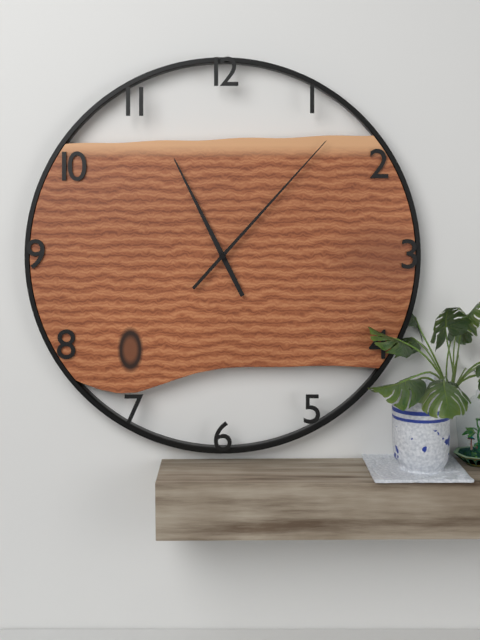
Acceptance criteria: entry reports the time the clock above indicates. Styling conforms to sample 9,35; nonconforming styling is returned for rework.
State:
11,07
